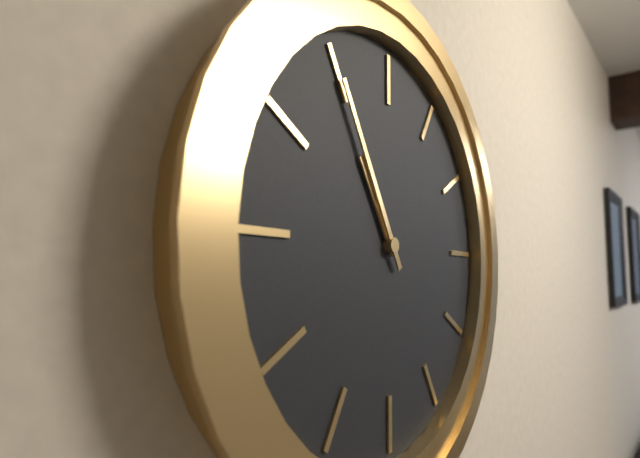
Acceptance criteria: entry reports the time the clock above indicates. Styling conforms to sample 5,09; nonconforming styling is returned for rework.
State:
10,55
